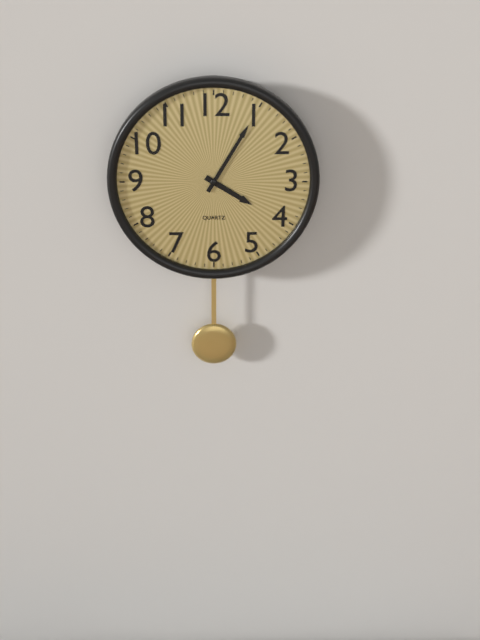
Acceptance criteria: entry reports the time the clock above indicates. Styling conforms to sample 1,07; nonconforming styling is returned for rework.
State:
4,05
